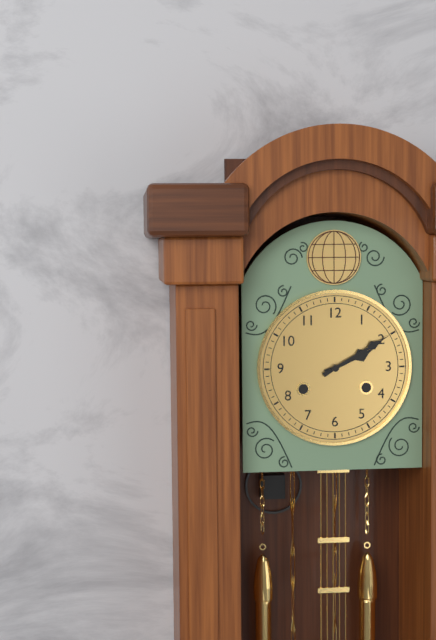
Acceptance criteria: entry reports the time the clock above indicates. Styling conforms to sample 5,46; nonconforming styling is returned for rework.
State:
2,10
